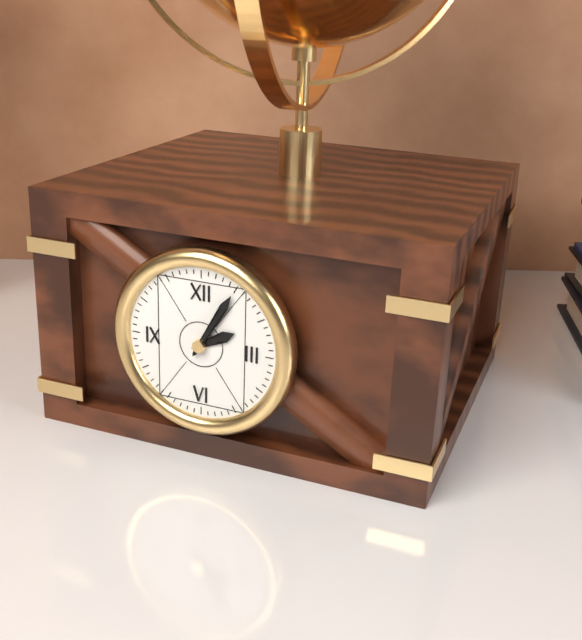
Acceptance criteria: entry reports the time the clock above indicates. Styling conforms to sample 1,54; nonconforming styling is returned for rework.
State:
2,05
